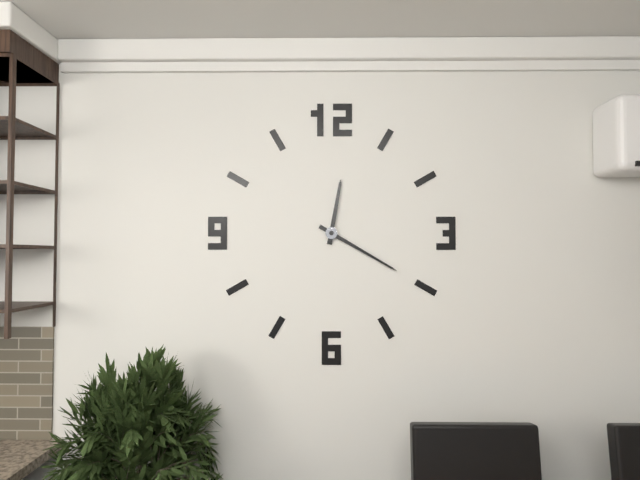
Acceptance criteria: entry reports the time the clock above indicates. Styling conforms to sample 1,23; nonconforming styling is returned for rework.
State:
12,20
